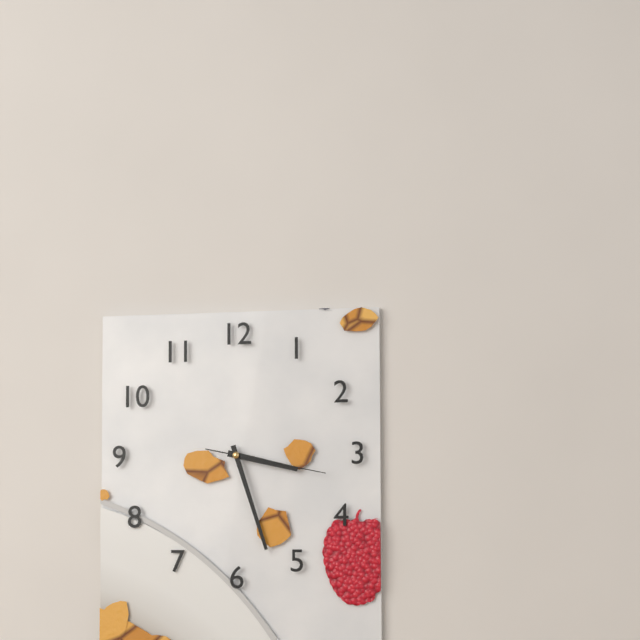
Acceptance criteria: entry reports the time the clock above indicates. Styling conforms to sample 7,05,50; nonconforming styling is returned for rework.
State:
3,27,17
